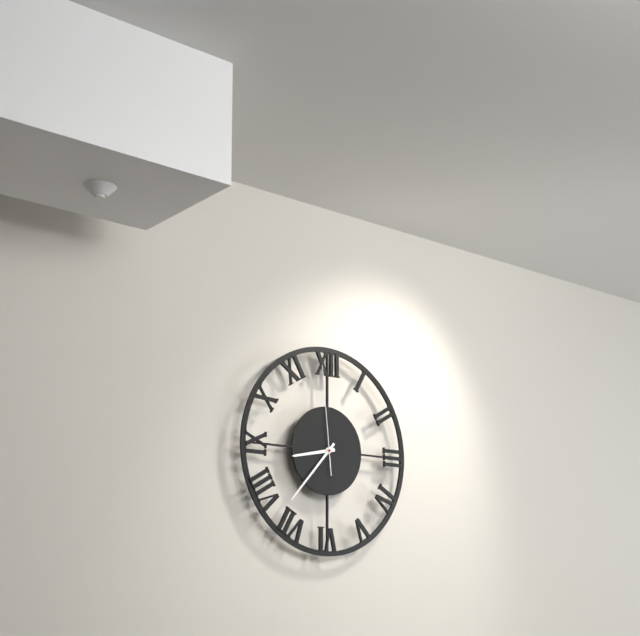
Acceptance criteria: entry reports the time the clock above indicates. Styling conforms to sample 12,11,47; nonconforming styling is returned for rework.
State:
8,37,59
